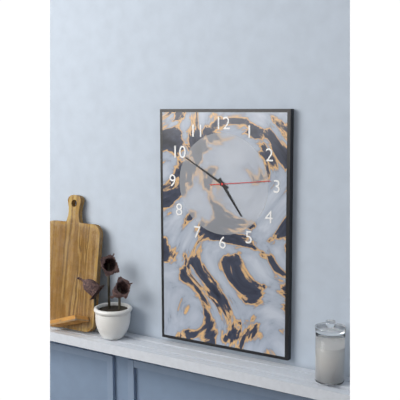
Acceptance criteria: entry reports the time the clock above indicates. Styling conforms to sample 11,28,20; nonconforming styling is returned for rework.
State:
4,50,14
